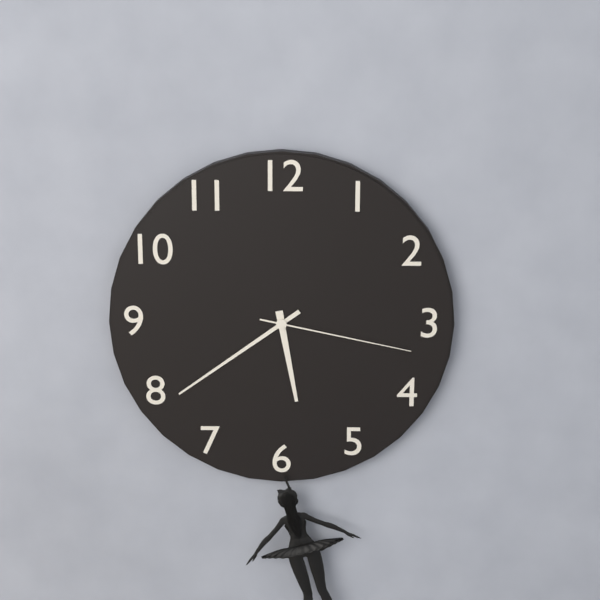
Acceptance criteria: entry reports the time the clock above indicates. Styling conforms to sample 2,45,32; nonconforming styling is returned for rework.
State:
5,39,17
